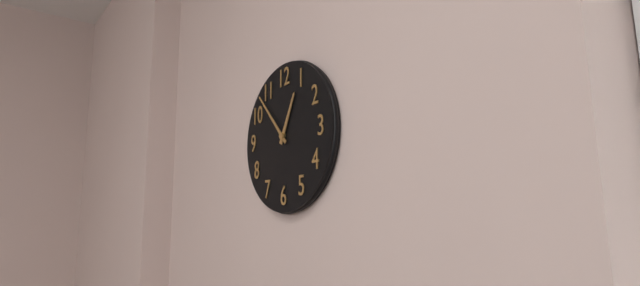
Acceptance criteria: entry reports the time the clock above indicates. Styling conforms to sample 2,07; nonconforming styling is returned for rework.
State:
12,53
